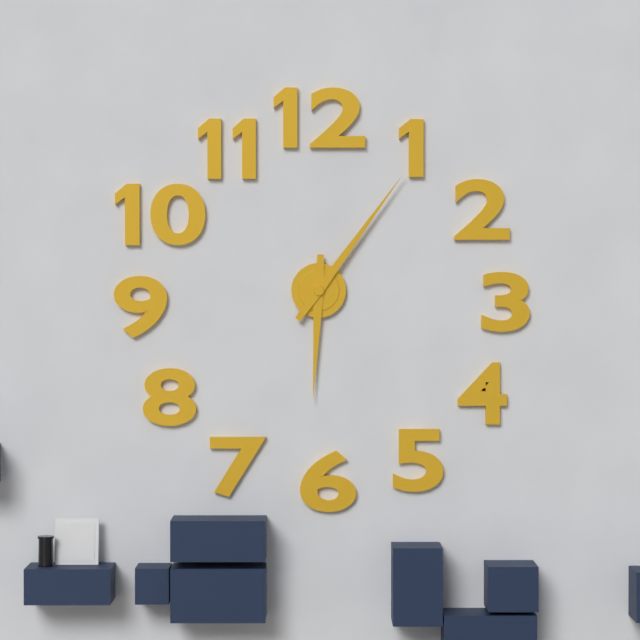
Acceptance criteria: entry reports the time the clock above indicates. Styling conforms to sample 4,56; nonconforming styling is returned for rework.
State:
6,06
